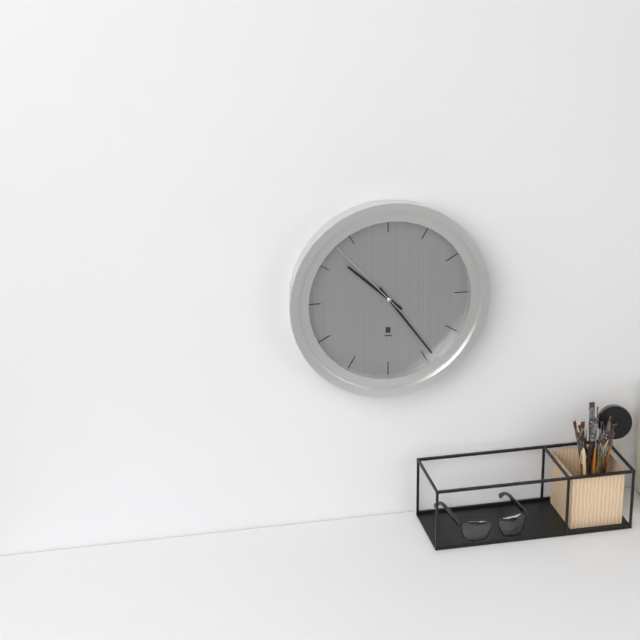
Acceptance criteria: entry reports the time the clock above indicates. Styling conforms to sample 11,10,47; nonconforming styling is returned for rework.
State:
10,24,53
